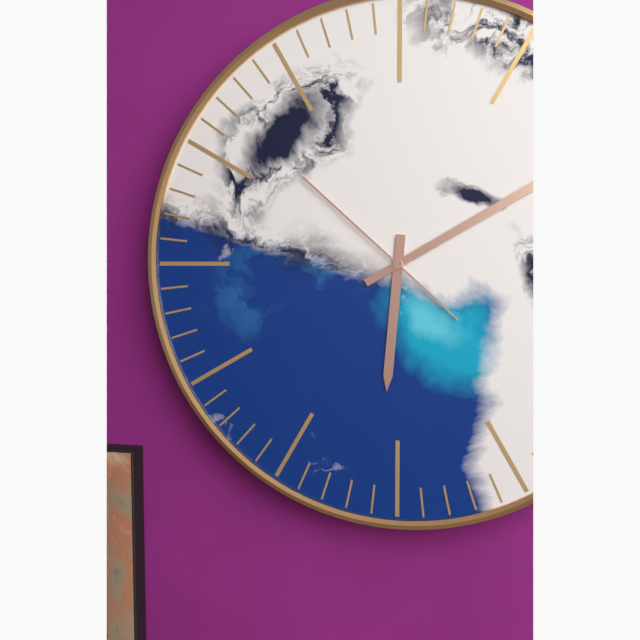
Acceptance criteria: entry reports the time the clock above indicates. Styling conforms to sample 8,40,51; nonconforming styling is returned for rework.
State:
6,10,52
